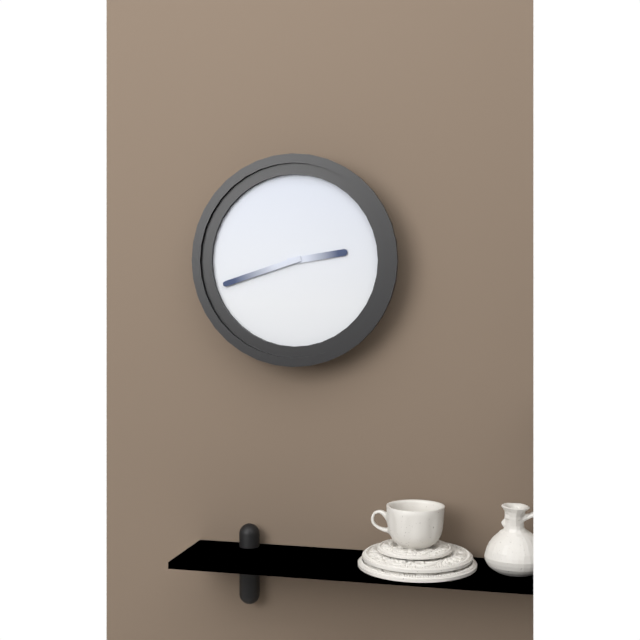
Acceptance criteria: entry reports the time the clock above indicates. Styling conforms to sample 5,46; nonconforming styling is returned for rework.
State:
2,42
